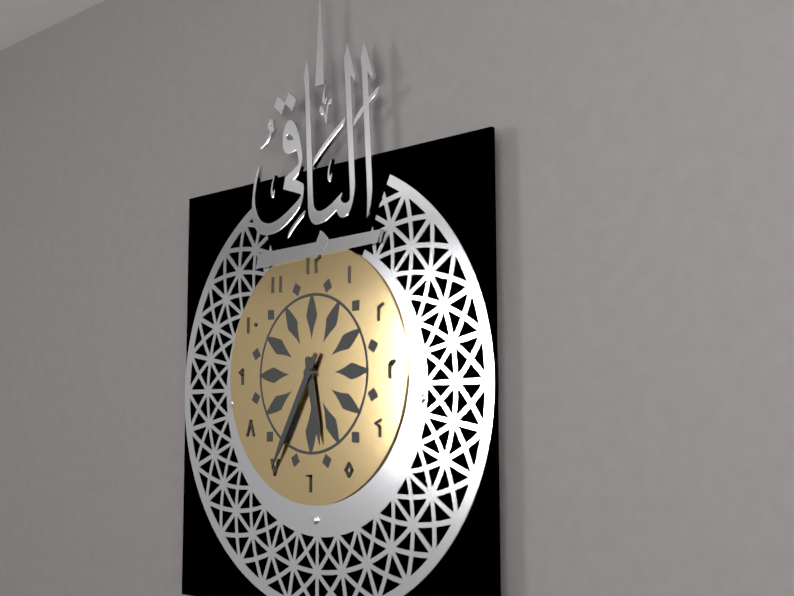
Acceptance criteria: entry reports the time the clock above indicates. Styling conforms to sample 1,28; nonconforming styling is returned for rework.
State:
5,35
